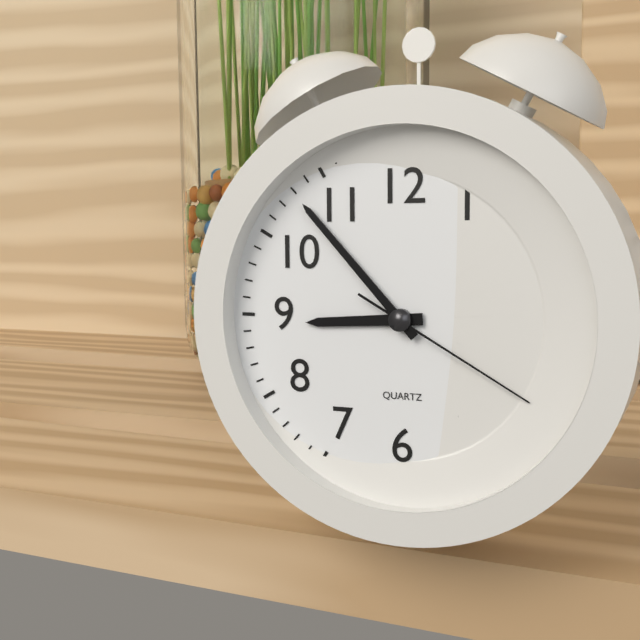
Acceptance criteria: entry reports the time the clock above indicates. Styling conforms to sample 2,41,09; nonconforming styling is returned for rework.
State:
8,53,20
